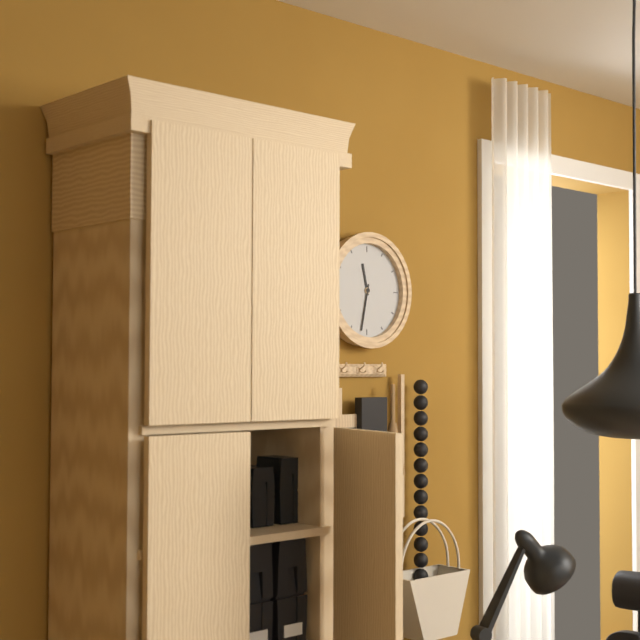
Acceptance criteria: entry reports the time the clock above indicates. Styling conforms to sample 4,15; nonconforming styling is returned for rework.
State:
11,32
